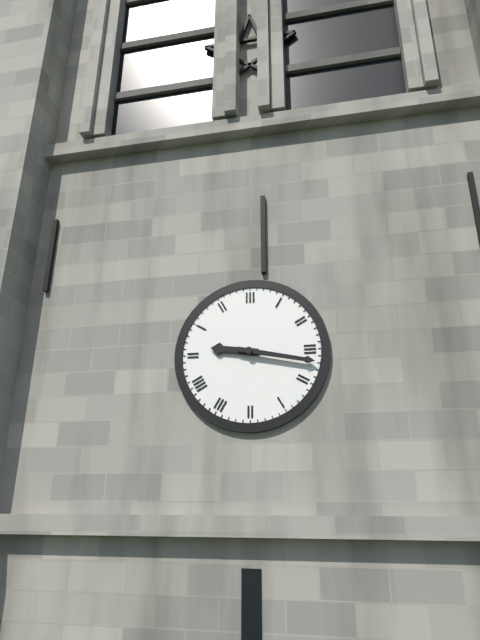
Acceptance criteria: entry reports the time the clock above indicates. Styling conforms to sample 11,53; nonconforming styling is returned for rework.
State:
9,17
